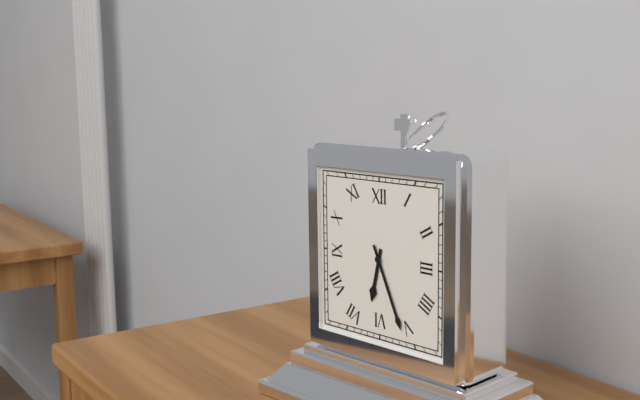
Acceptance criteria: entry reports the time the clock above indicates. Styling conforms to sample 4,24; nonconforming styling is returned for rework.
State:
6,26
